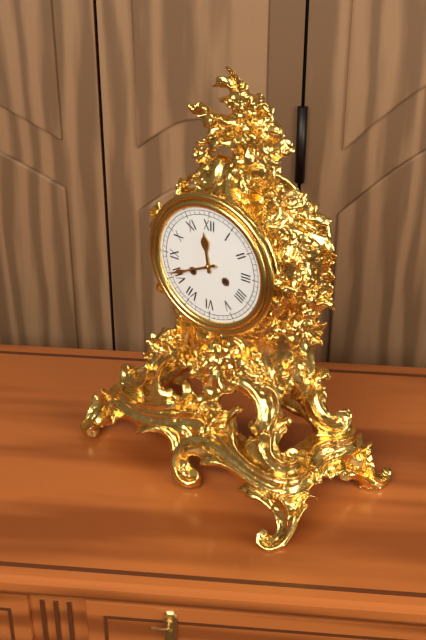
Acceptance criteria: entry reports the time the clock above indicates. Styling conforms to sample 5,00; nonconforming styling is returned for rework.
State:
11,41
